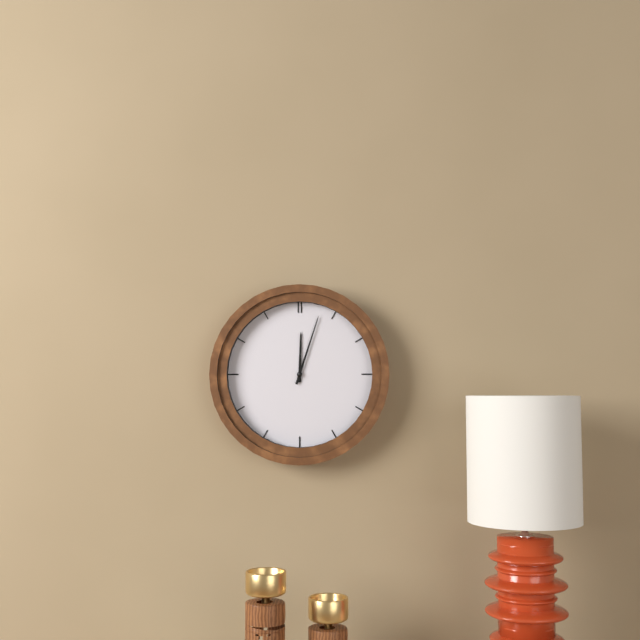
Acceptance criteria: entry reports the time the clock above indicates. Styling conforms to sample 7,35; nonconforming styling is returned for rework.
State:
12,03
